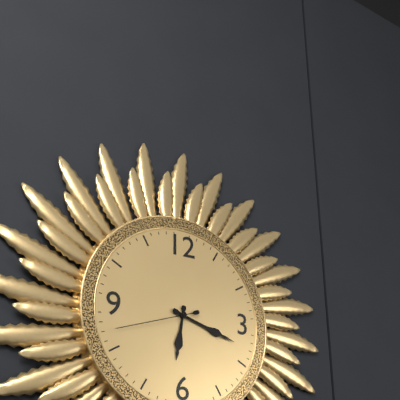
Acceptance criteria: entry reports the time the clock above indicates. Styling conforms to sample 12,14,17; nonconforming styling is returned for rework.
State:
6,18,42
